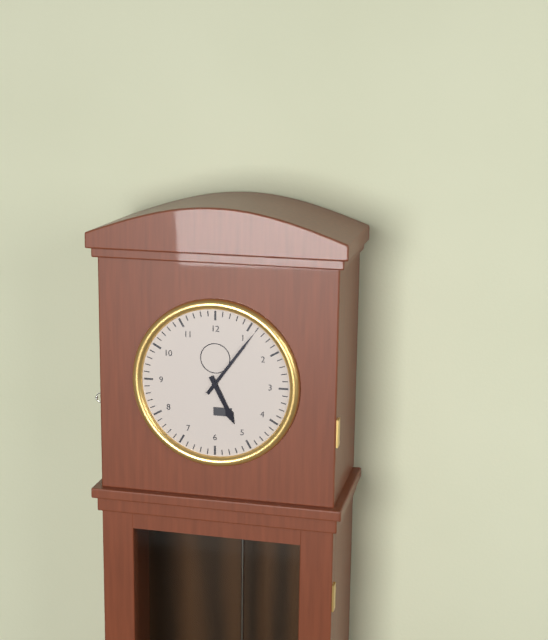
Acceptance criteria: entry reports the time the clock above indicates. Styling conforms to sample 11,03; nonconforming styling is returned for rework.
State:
5,06
